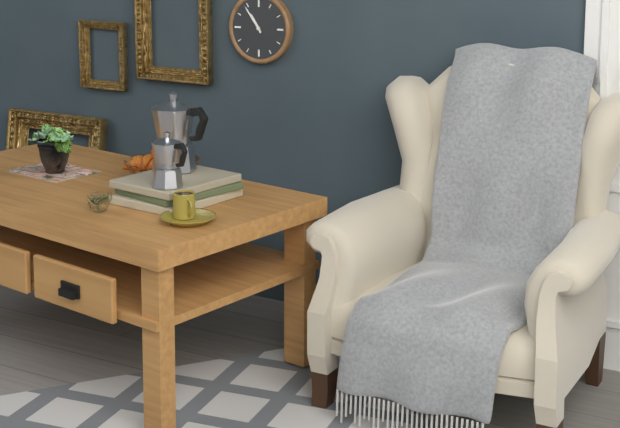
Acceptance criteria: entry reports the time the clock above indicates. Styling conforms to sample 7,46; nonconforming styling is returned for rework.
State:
10,54
